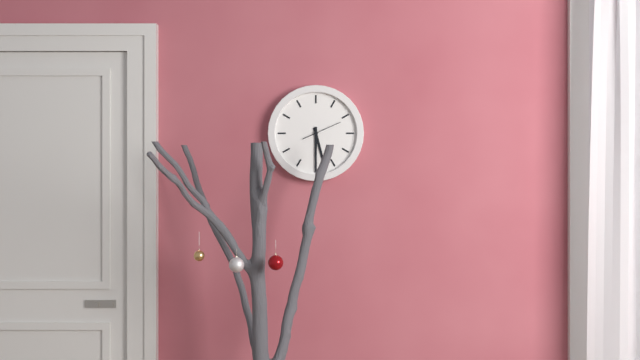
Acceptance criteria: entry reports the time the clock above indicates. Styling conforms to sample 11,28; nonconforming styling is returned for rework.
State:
5,30
